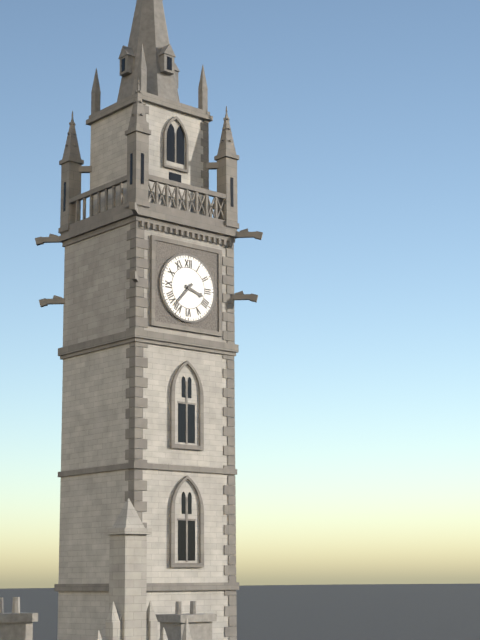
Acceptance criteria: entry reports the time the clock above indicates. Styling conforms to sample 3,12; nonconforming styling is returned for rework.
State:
3,37
